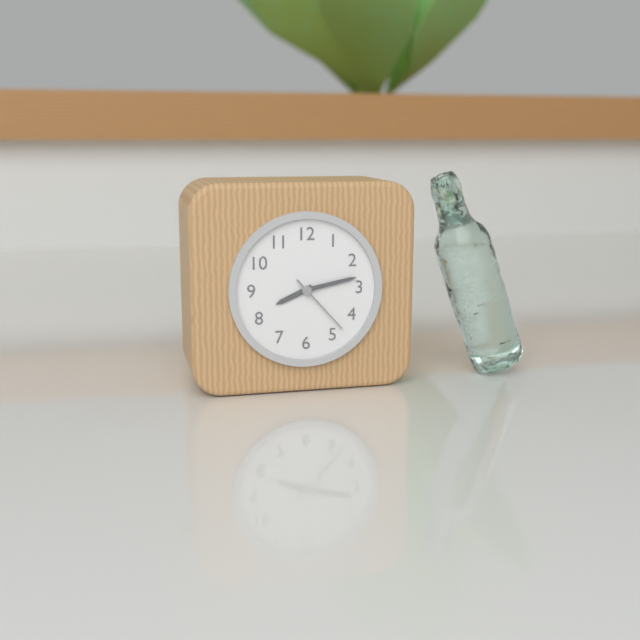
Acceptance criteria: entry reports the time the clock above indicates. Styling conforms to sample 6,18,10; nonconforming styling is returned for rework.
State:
8,13,23
